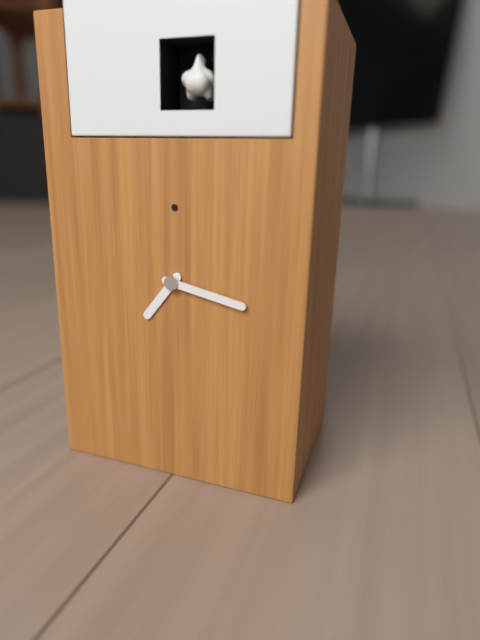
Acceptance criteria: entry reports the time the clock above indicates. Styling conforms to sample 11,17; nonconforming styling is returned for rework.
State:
7,17
